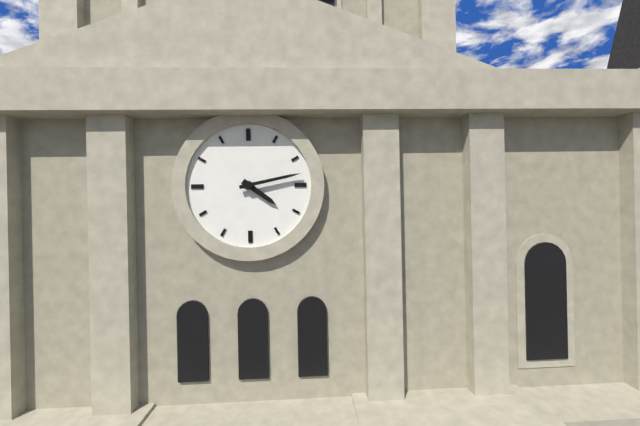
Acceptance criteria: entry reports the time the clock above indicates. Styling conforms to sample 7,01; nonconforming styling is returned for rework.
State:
4,13
